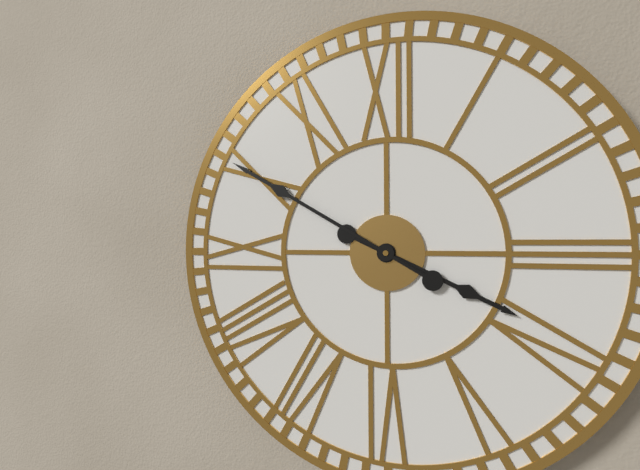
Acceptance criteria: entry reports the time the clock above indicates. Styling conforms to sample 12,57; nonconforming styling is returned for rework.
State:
3,50
